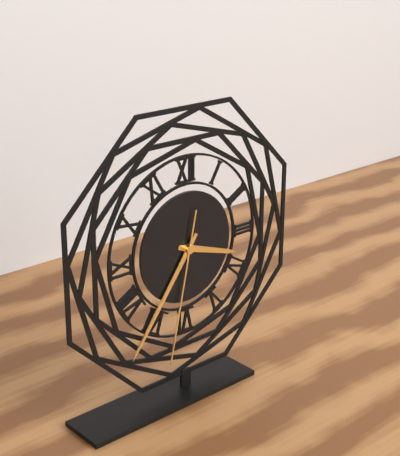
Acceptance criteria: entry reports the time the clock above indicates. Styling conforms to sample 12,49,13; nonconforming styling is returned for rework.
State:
3,36,32
